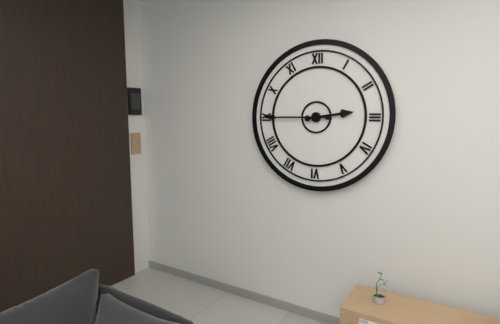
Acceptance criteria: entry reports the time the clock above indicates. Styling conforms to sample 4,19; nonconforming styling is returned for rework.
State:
2,45
